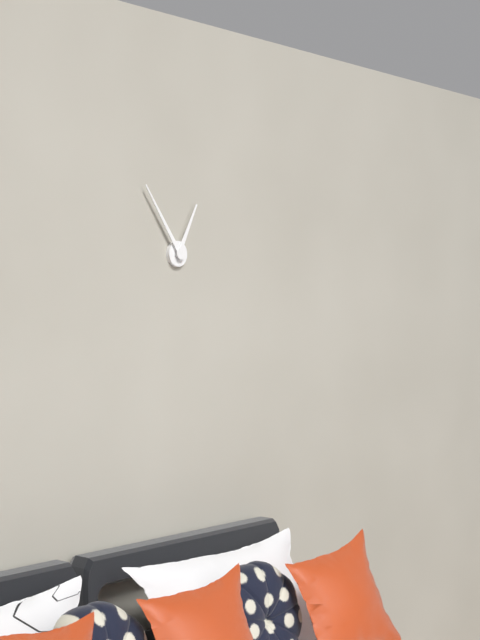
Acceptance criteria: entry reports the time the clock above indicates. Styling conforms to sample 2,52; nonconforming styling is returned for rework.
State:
12,54
